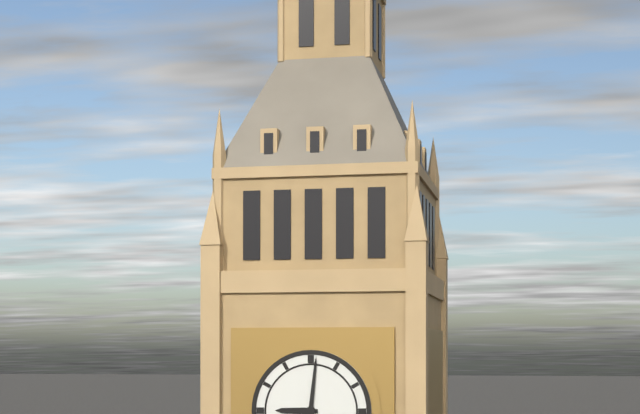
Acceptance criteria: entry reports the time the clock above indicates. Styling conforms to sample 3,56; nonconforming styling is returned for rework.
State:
9,01
